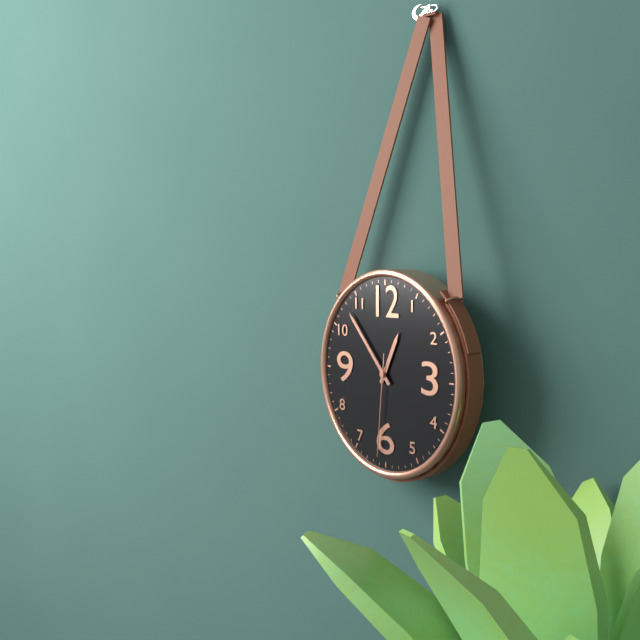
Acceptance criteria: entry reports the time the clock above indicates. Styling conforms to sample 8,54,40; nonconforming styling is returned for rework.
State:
12,53,31
